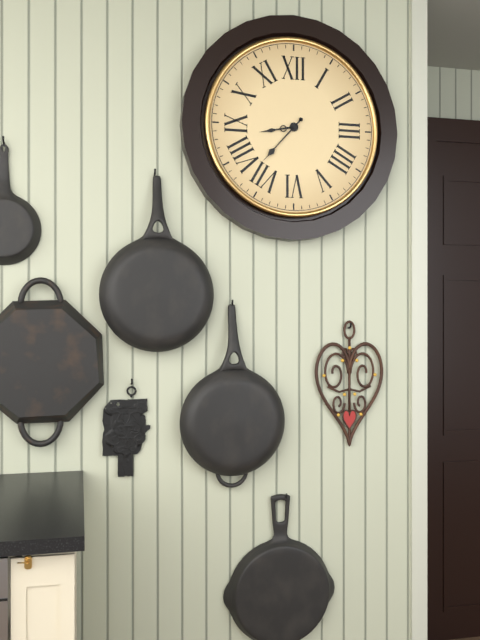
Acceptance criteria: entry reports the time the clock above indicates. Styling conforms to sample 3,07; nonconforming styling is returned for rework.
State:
8,37
